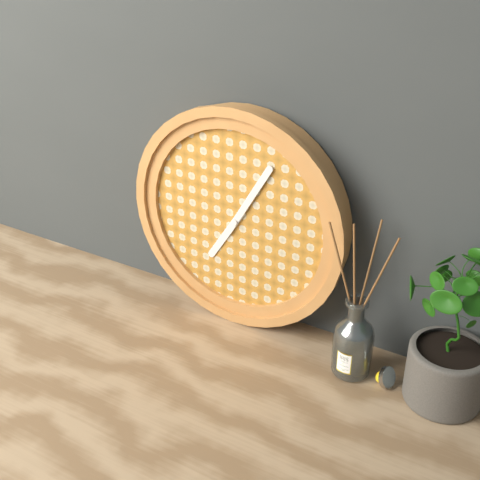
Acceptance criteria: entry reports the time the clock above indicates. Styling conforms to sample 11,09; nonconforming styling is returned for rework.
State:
7,05
